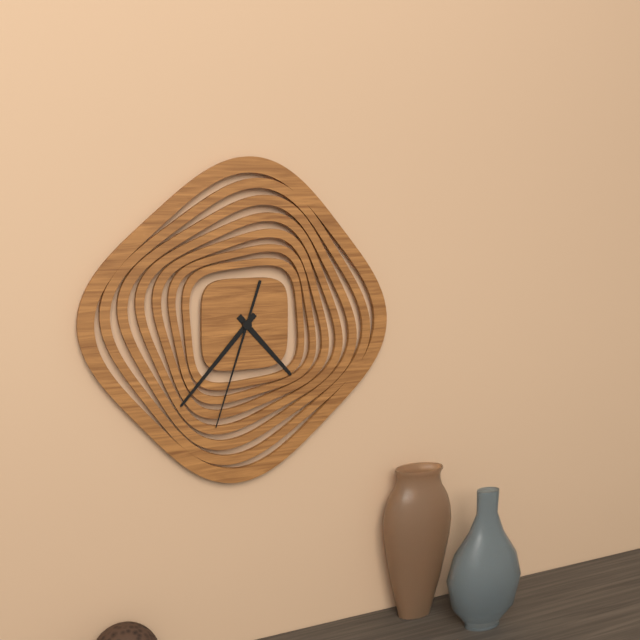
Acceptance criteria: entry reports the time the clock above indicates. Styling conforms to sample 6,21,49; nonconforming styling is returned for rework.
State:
4,37,33
